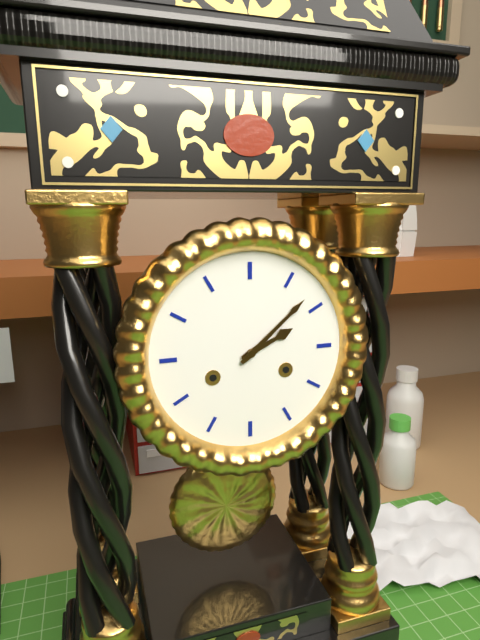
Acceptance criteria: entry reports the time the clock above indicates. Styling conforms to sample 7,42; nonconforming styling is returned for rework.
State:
2,08
